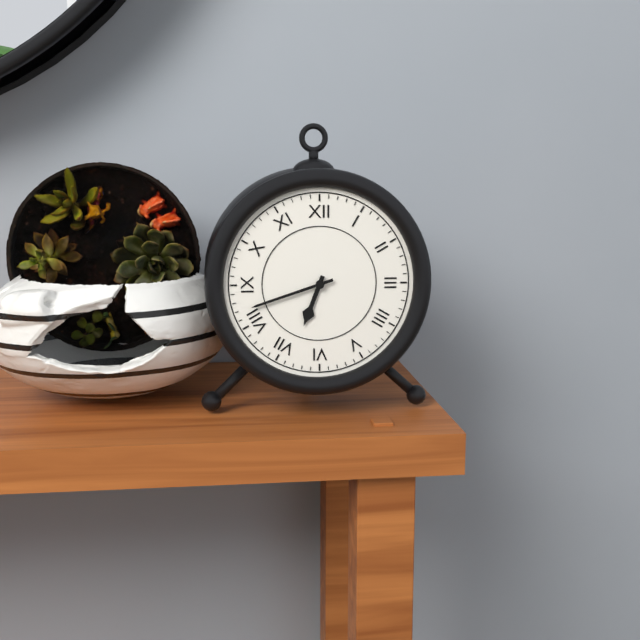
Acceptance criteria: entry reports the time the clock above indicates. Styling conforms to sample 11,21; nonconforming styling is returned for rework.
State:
6,42
